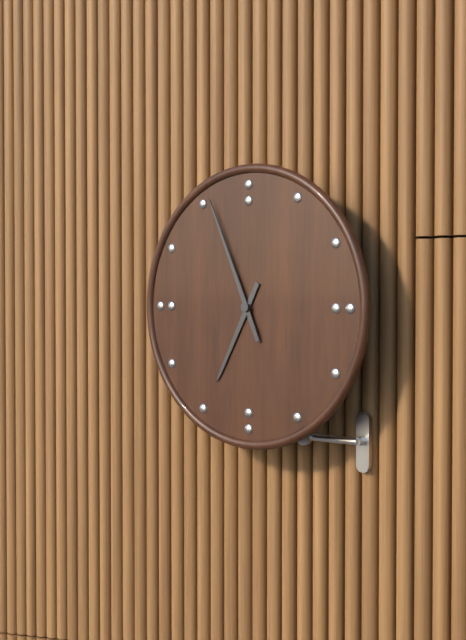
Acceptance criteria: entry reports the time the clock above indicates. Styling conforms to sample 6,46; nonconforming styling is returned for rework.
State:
6,56
